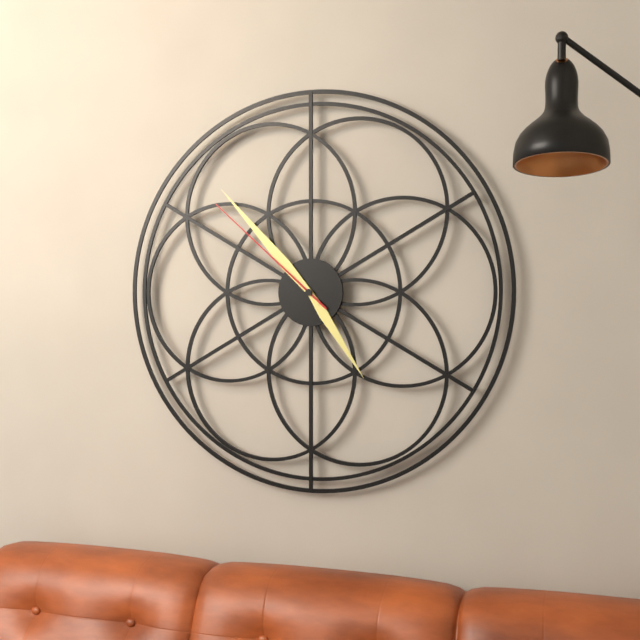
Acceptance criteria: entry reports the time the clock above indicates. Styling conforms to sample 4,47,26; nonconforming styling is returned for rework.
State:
4,53,52
